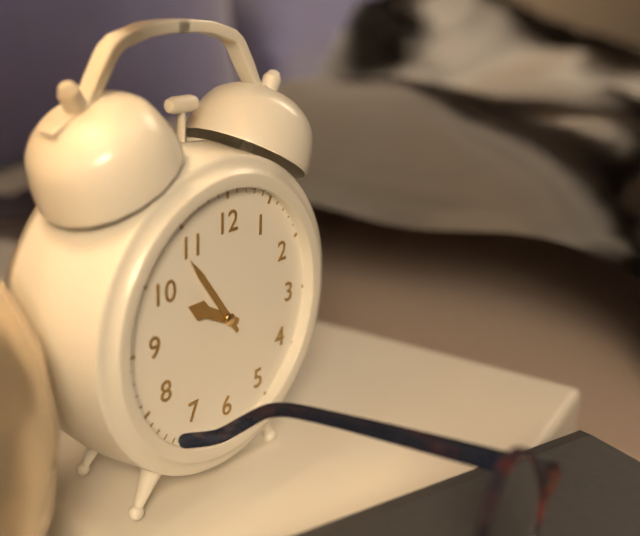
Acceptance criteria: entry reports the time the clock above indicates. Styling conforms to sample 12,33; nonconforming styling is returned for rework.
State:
9,54
